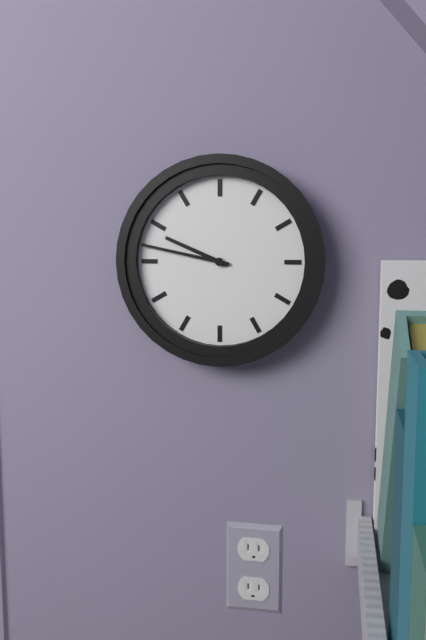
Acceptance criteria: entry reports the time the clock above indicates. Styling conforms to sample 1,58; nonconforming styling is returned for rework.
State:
9,47
